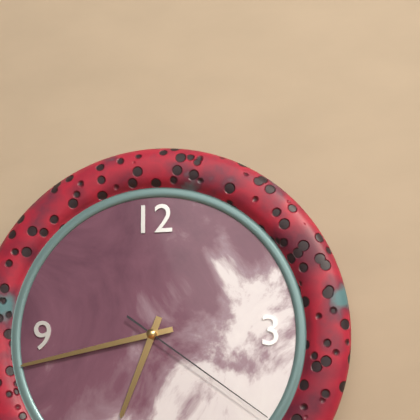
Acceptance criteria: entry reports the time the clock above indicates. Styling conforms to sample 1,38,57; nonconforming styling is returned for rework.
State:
6,43,21
